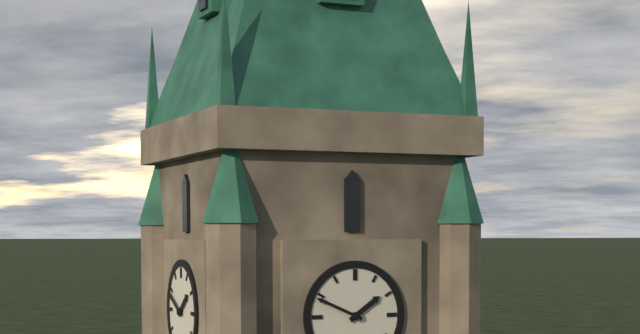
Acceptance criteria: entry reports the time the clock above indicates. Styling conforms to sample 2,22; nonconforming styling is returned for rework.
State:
1,49
